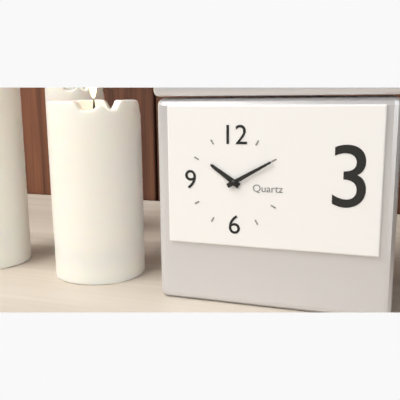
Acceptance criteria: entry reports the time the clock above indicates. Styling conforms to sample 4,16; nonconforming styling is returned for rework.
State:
10,10
